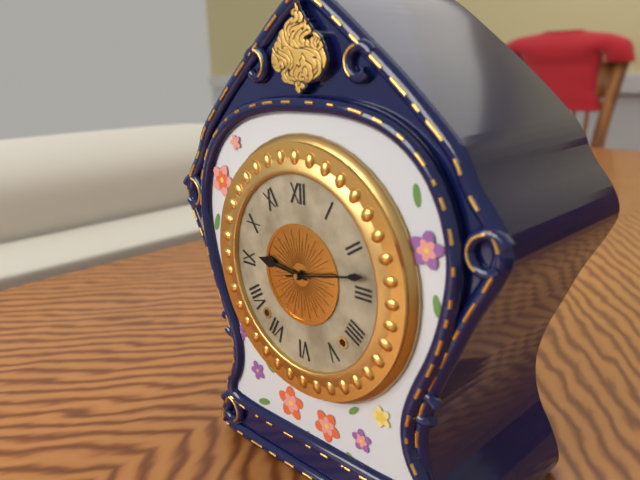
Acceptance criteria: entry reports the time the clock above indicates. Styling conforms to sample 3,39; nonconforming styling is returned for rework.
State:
9,13
